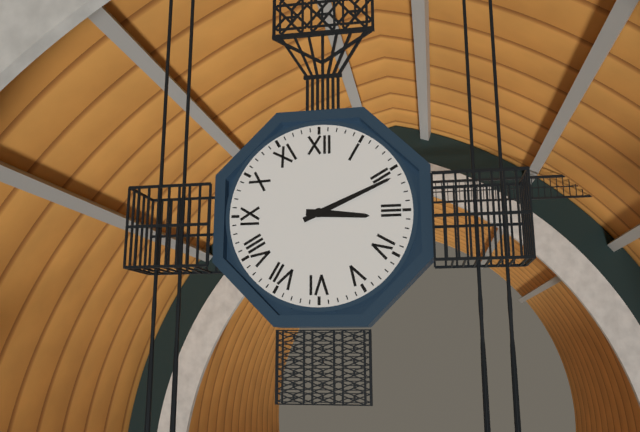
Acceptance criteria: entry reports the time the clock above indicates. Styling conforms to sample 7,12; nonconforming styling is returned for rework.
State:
3,11
